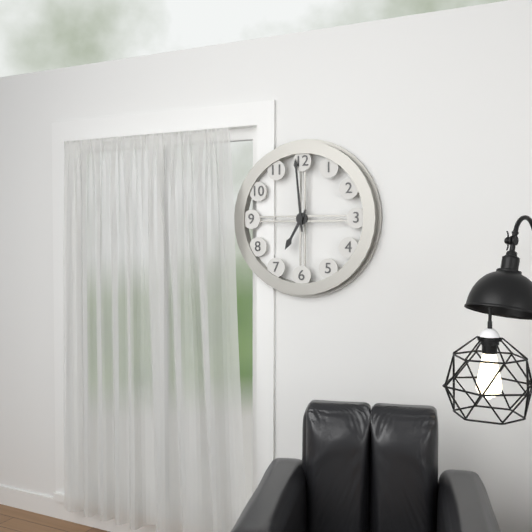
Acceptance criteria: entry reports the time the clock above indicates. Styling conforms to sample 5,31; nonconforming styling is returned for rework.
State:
6,59
